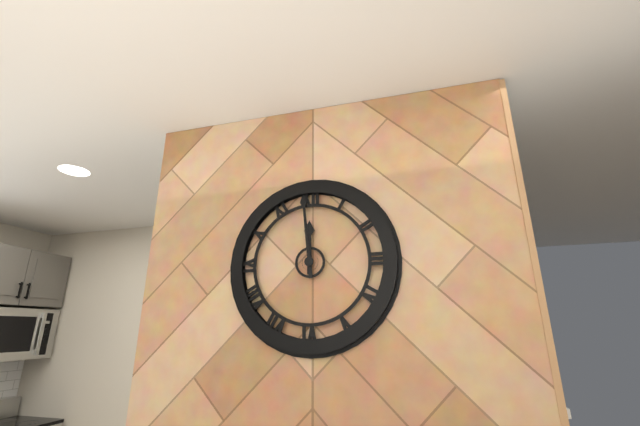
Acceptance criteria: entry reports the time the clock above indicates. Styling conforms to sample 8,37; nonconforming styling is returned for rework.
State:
11,59
